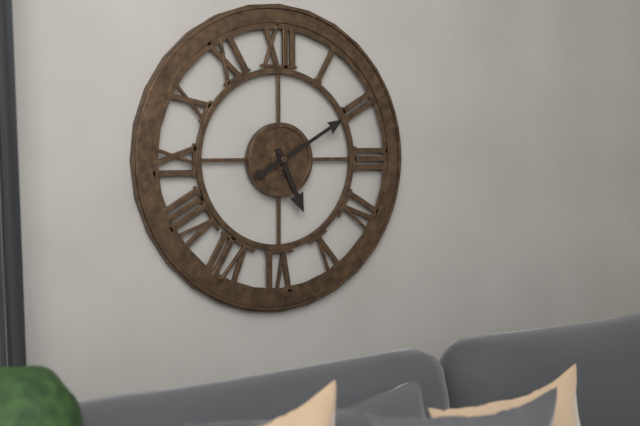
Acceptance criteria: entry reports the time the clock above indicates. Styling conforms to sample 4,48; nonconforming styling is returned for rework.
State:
5,10
